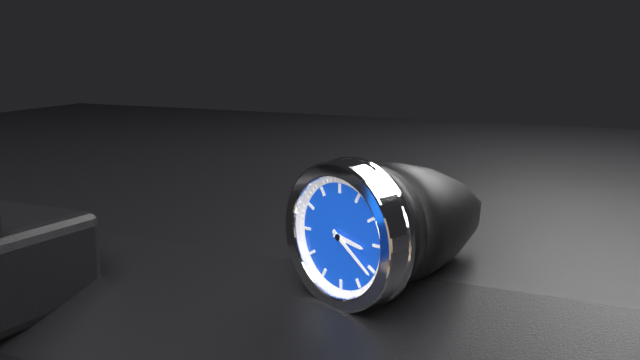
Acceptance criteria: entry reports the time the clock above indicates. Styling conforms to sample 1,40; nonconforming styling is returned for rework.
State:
3,21
